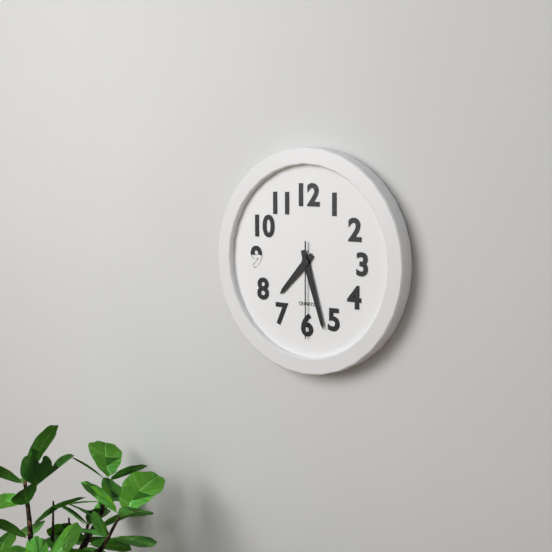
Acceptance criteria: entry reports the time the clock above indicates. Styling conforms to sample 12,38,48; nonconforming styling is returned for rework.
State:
7,27,30
